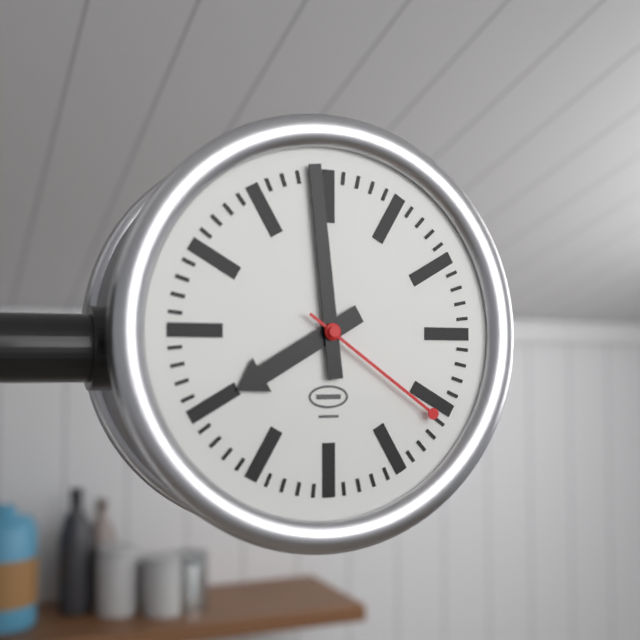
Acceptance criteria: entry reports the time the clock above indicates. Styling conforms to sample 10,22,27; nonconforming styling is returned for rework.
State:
7,59,21
